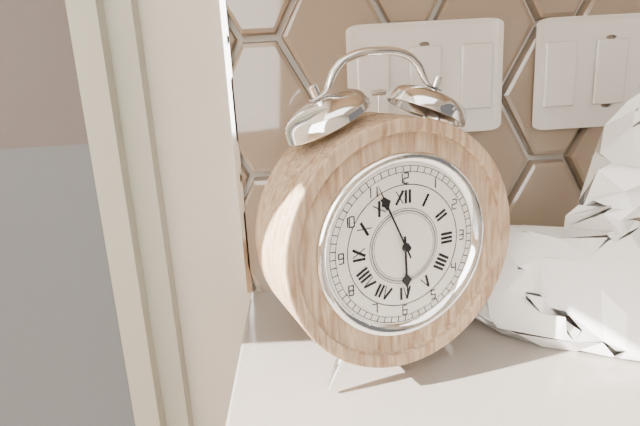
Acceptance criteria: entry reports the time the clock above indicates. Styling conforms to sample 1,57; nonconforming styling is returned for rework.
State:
5,56
